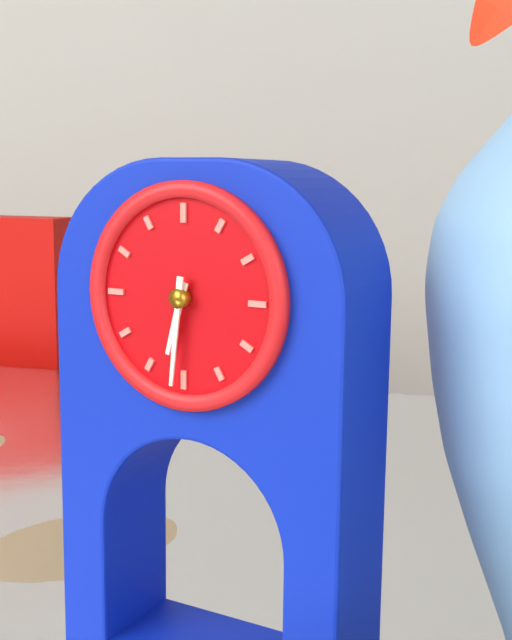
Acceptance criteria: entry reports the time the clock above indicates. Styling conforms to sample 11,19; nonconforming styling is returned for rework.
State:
6,31
